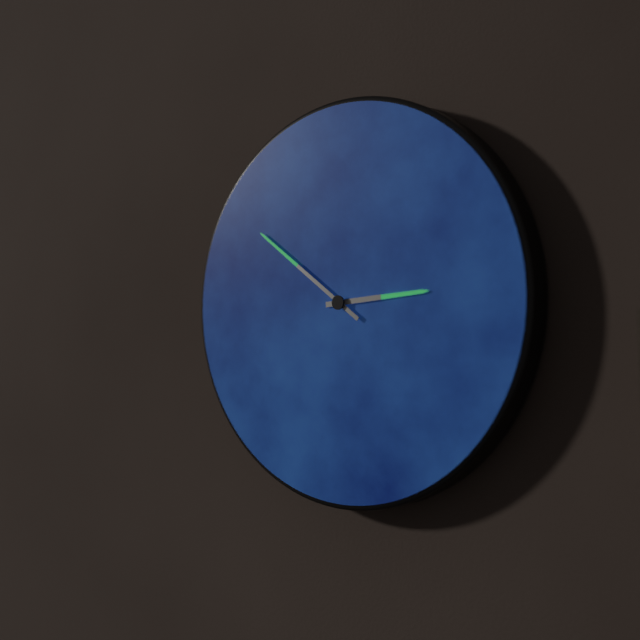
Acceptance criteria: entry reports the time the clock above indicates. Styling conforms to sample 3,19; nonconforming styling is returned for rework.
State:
2,51
